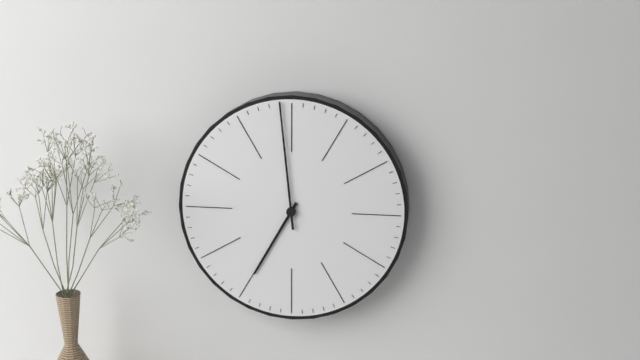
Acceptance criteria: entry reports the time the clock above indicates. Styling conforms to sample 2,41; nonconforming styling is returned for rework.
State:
6,59
